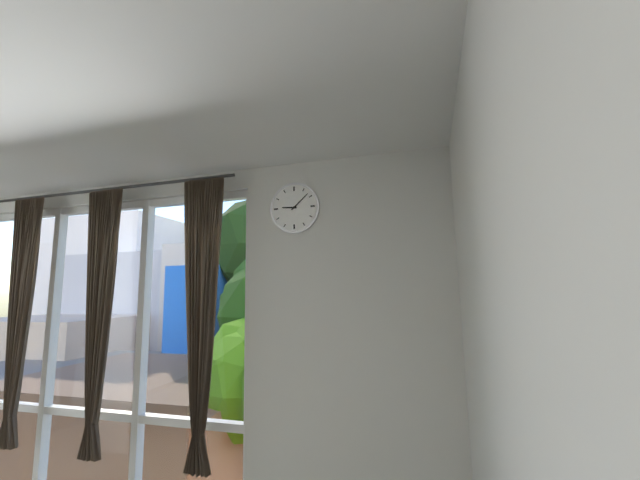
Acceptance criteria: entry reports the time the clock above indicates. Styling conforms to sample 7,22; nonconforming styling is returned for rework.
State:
9,08
